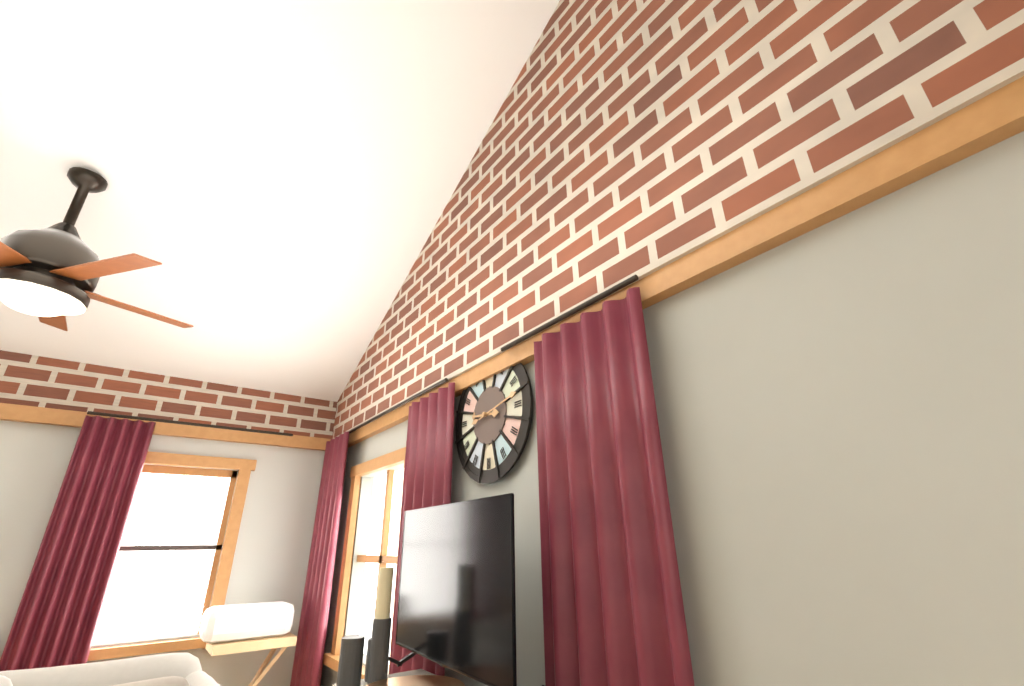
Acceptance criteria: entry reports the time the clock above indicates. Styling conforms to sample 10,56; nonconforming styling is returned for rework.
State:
9,13
